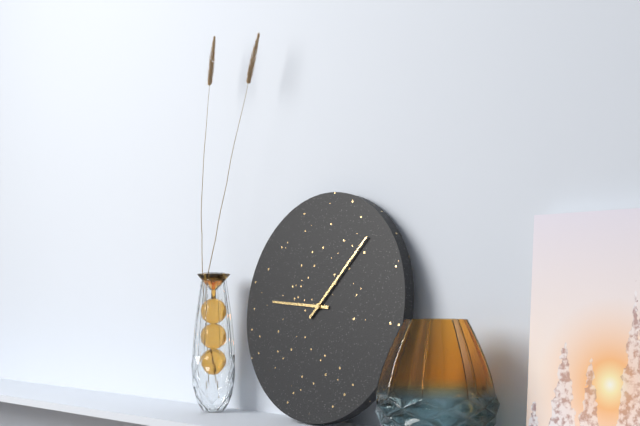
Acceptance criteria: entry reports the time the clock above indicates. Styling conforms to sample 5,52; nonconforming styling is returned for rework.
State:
9,07
